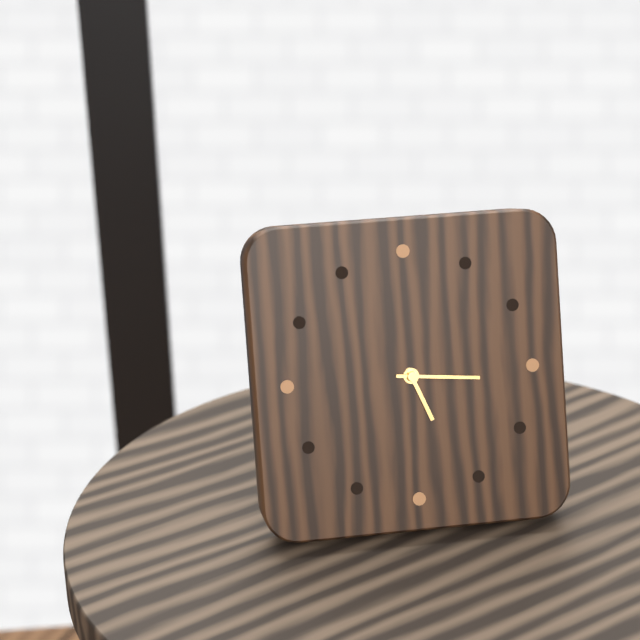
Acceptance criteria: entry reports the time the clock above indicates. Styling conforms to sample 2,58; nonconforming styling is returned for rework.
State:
5,16
